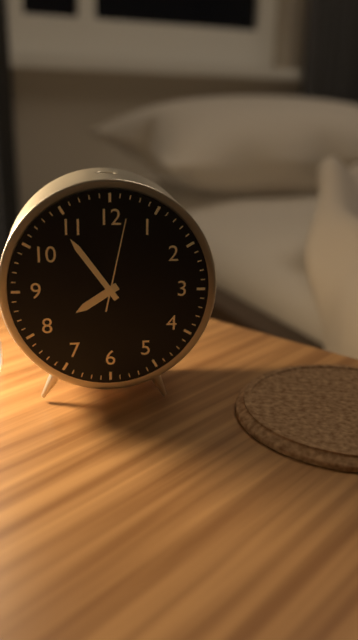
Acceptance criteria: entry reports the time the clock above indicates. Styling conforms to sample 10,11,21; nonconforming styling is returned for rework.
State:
7,54,02
